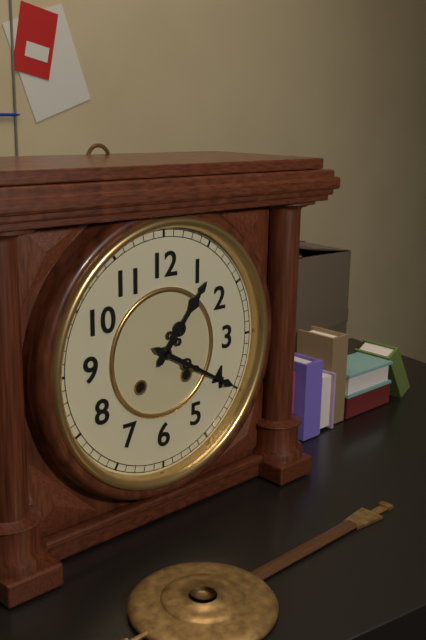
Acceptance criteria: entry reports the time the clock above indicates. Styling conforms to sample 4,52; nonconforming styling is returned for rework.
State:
1,20
